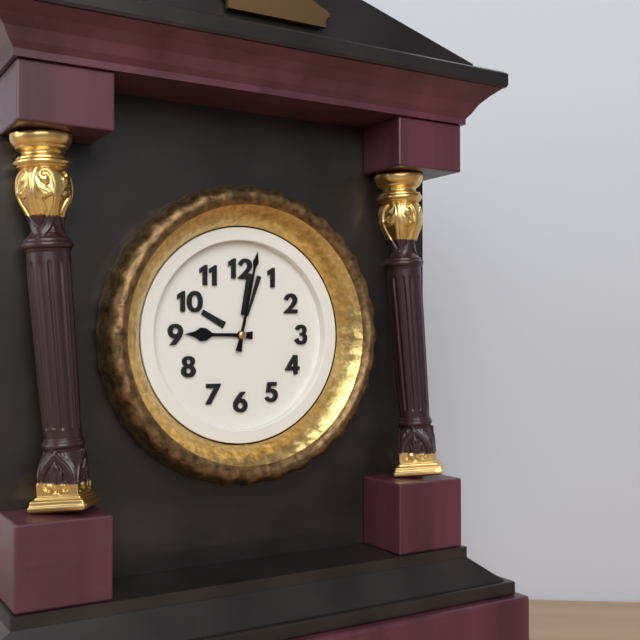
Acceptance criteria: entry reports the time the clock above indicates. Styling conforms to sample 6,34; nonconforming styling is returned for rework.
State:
9,02
